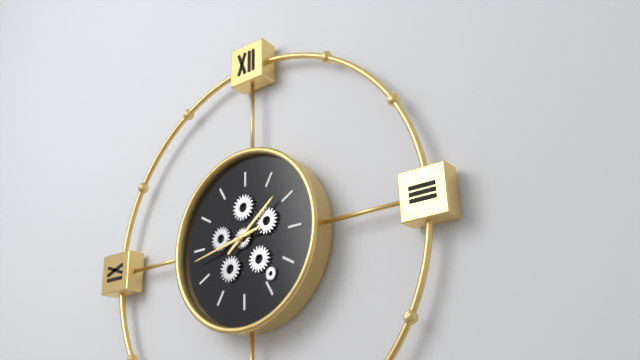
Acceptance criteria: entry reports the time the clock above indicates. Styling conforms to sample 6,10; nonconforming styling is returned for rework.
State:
1,43
